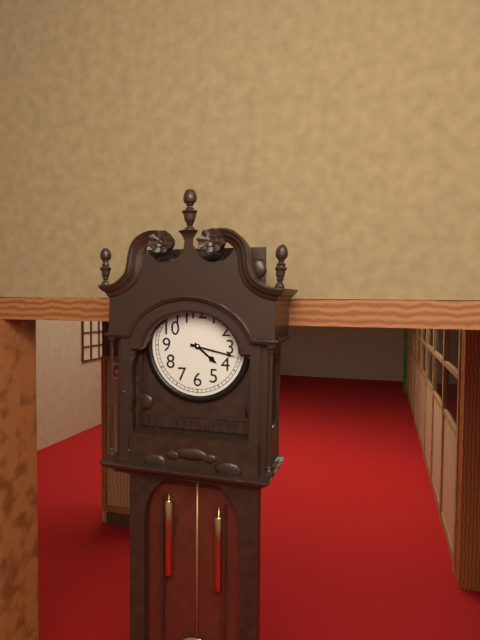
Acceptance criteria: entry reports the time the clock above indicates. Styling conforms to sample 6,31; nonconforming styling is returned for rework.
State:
4,17
